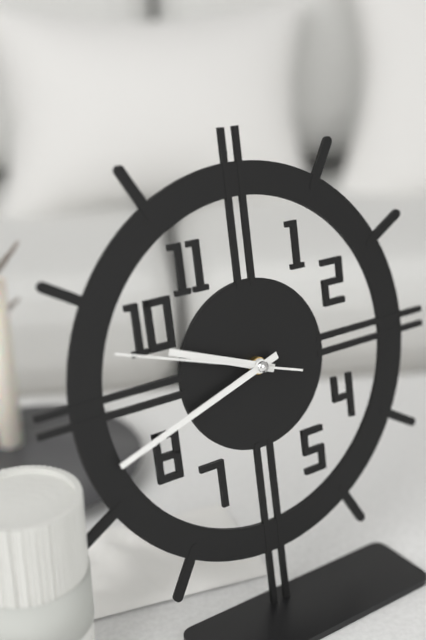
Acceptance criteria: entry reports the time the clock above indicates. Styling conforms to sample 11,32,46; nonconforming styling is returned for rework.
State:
9,42,48
